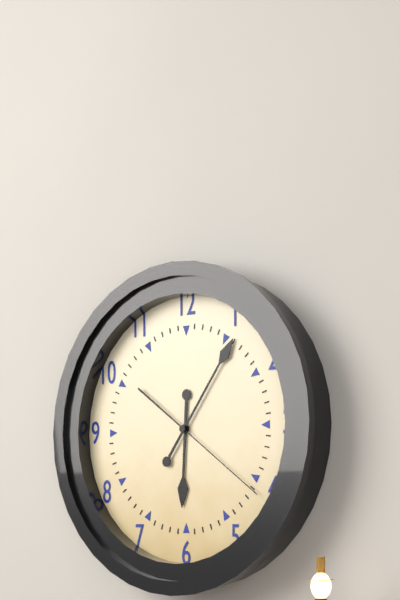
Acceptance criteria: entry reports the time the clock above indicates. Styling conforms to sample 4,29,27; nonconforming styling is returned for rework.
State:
6,06,21
